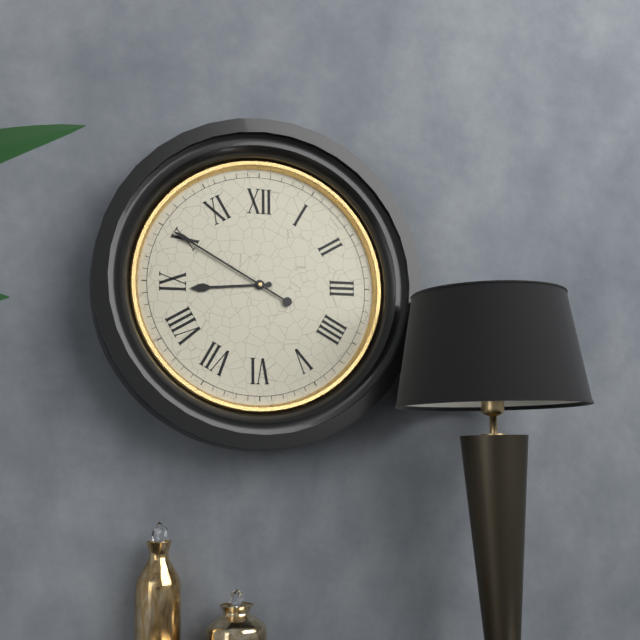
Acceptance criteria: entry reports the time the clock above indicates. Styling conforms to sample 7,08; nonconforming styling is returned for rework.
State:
8,50
